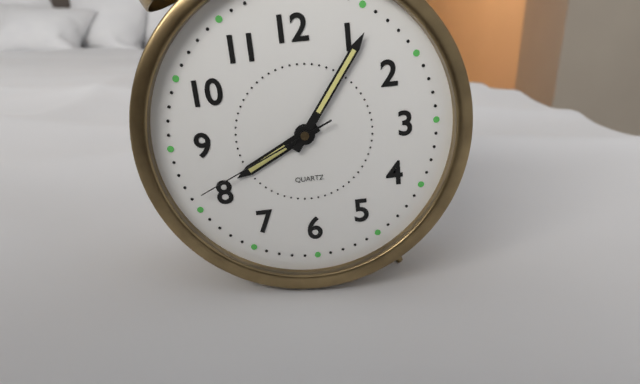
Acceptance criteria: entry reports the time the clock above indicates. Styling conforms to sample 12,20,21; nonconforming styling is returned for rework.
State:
8,06,41
